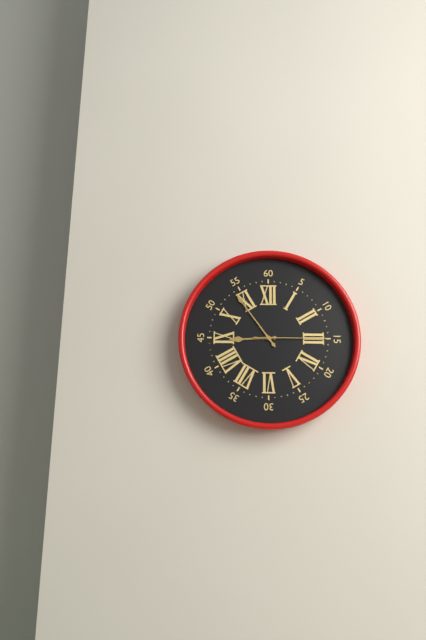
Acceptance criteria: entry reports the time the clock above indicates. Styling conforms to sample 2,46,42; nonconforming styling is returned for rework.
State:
8,54,15
